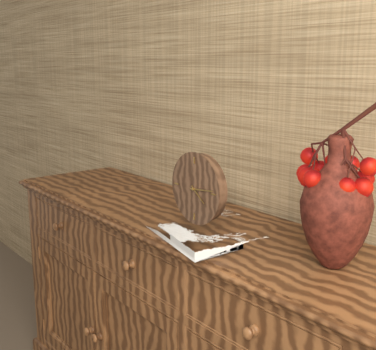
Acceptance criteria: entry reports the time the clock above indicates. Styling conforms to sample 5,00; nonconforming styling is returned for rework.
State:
4,14
